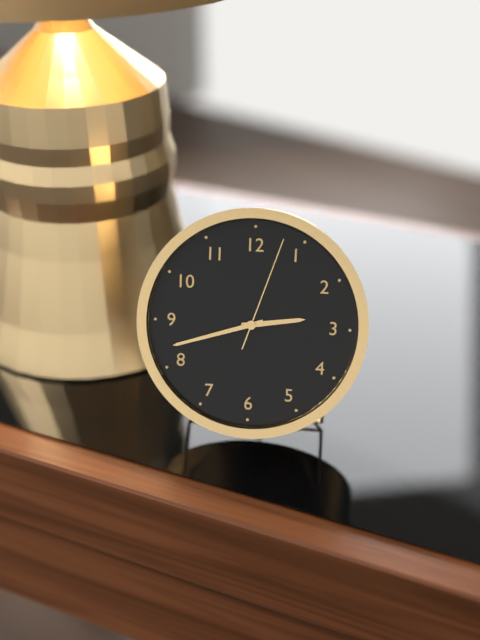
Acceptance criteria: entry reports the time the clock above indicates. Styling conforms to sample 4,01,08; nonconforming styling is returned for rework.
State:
2,42,03
